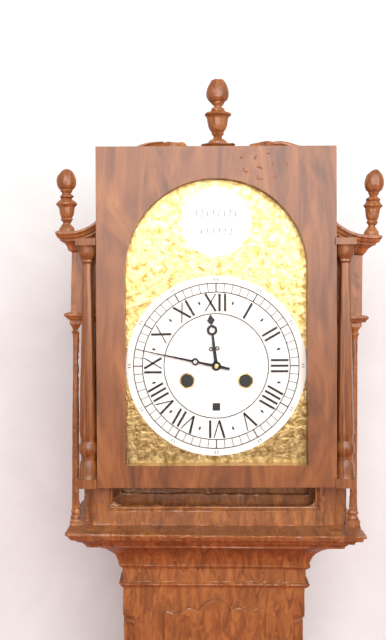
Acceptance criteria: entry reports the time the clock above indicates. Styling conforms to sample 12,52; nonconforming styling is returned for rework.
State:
11,47
